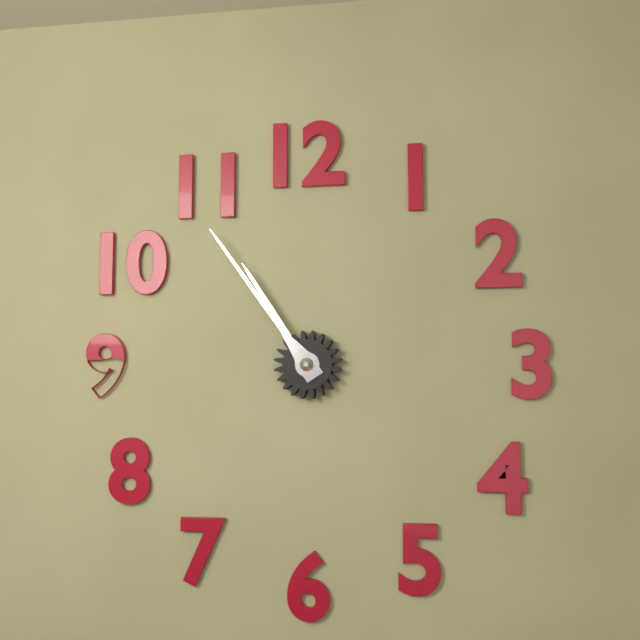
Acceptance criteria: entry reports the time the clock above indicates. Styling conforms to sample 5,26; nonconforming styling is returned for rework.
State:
10,54
